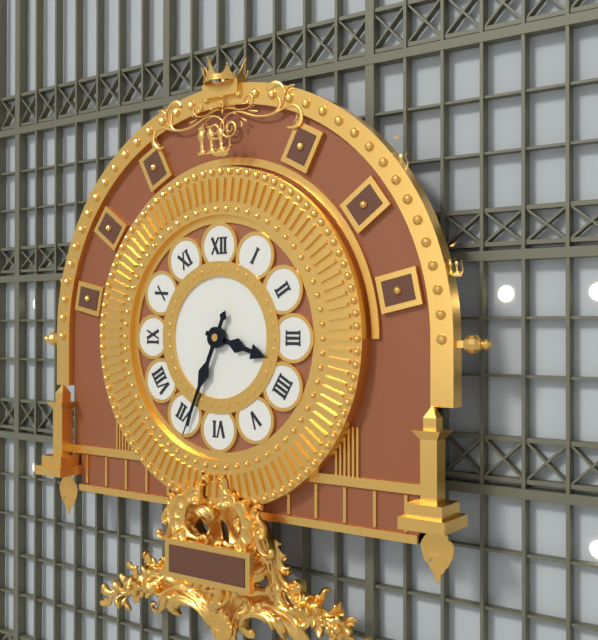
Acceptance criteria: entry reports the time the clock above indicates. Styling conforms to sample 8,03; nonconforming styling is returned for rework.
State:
3,34
